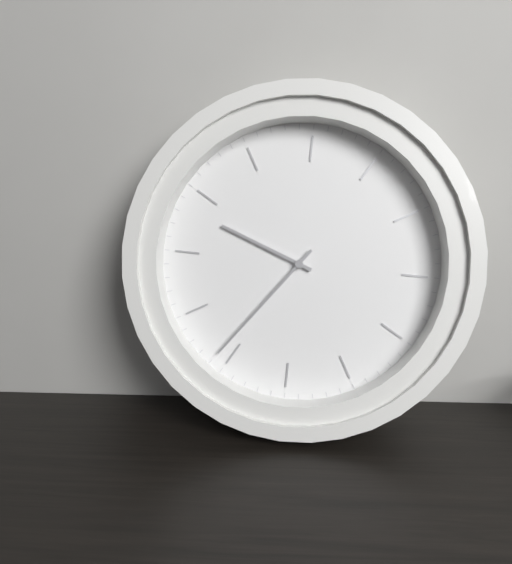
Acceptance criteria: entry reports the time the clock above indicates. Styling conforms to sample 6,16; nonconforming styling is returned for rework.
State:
10,41
